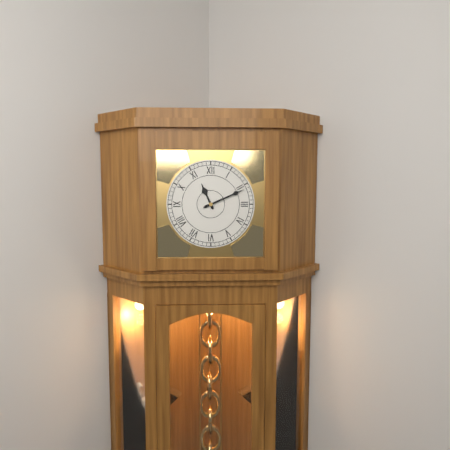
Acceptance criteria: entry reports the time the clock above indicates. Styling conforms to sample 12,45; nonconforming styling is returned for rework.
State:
11,11
